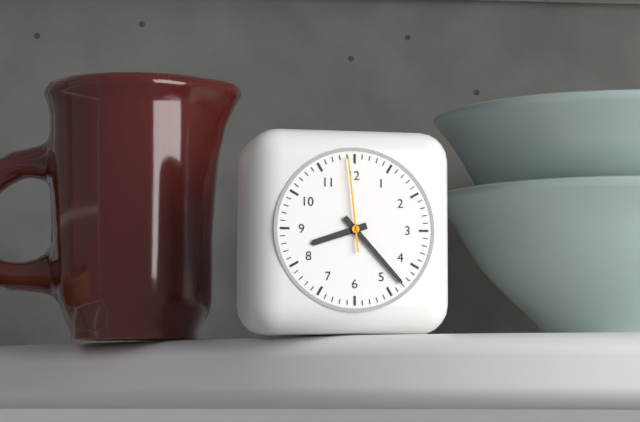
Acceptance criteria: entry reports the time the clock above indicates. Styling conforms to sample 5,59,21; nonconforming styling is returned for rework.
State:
8,23,59
